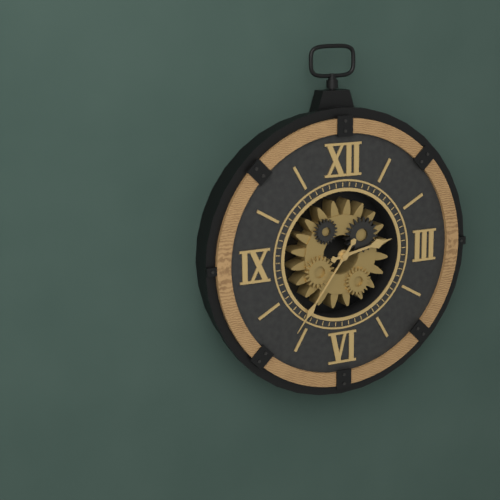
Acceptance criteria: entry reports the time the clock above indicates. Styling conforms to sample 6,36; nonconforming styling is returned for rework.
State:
2,36
